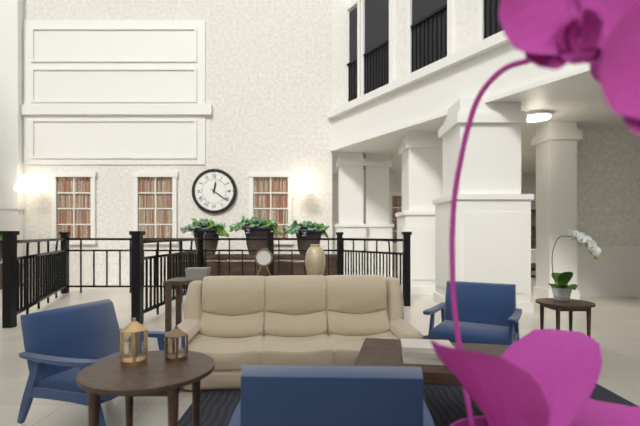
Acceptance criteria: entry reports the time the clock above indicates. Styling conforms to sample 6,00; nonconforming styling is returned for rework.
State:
12,21
